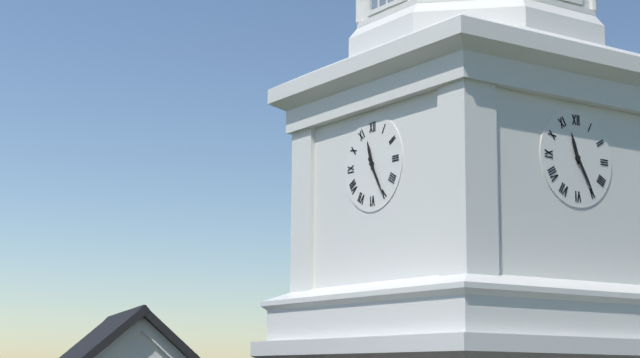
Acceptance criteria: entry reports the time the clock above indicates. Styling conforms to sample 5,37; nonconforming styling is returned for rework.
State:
11,25
